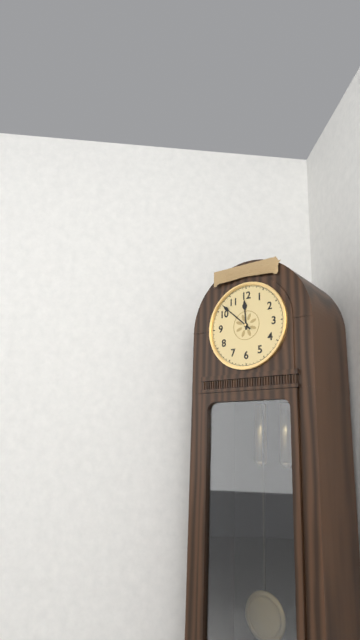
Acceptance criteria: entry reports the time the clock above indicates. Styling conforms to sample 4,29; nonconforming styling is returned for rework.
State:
11,52
